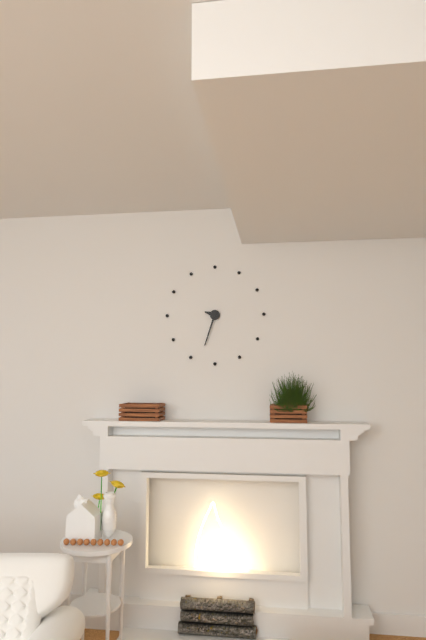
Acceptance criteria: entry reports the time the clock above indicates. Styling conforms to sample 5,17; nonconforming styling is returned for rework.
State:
9,33
